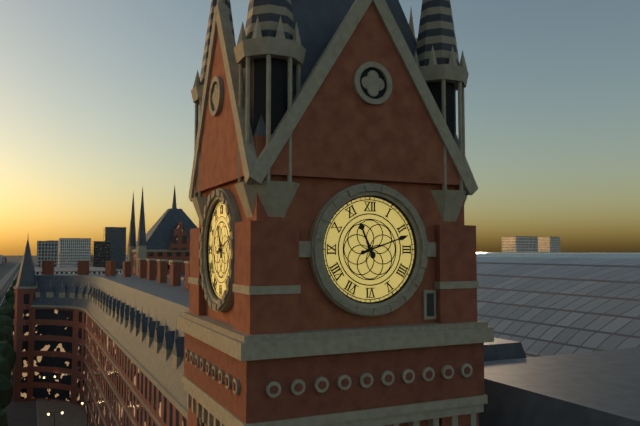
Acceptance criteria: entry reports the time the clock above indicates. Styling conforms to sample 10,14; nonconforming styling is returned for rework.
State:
11,12
